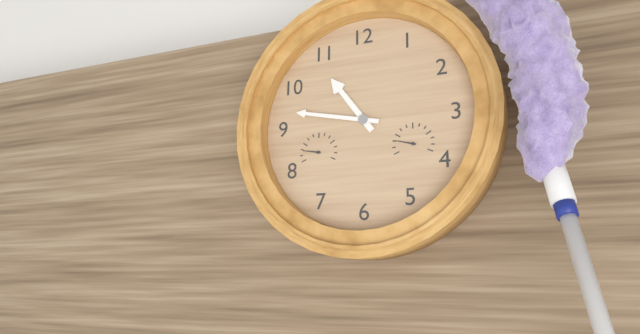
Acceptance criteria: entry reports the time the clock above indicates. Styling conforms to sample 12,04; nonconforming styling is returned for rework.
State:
10,47
